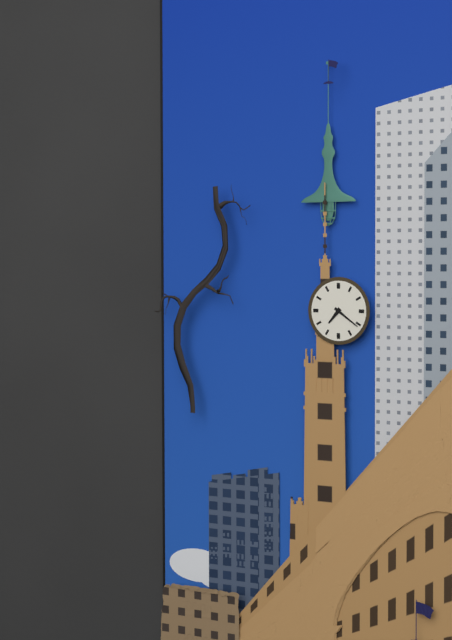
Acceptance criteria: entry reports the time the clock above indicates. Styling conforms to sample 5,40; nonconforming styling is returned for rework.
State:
7,21
